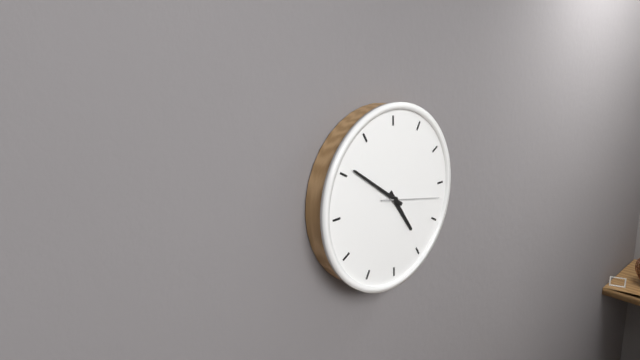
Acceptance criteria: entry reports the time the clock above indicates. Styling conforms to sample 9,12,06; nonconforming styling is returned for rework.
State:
4,51,17
